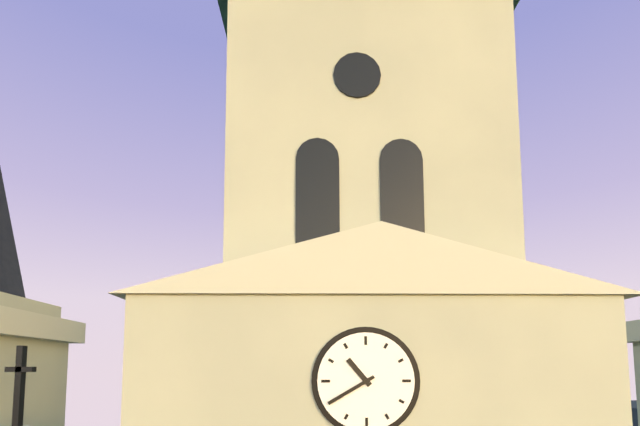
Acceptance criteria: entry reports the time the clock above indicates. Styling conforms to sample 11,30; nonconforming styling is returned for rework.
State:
10,40
